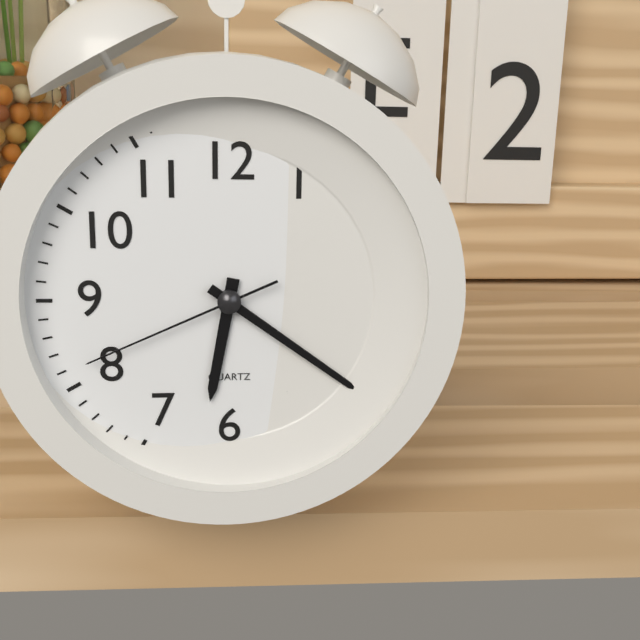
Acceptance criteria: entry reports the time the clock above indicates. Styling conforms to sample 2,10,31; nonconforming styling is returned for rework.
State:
6,21,41
